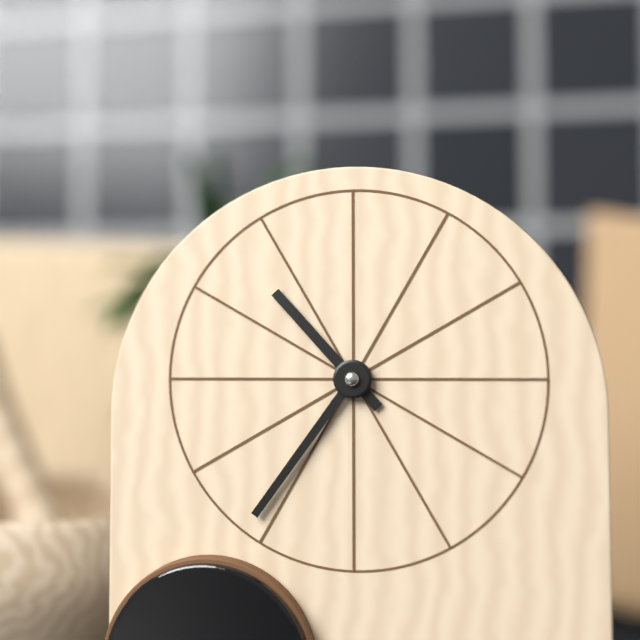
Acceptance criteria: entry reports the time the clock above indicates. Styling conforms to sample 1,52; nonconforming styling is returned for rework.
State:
10,36
